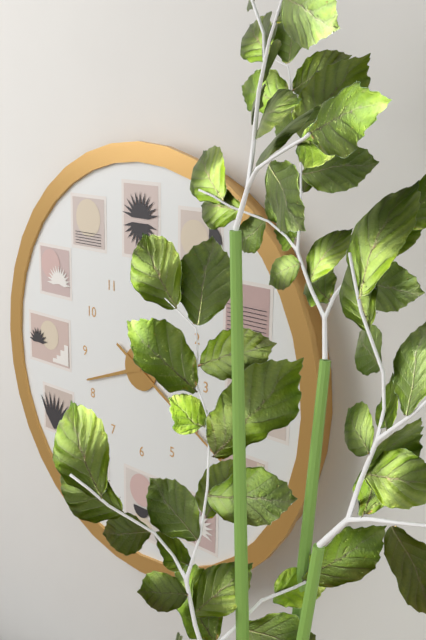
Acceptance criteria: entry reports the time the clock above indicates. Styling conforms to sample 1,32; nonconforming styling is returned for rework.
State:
8,20
